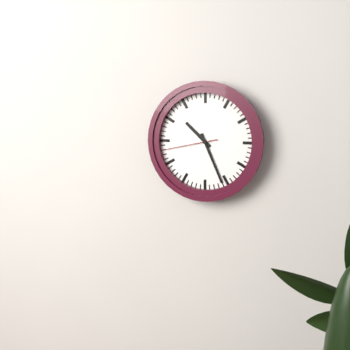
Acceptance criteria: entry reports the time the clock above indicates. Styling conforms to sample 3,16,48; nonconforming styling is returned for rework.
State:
10,26,43
